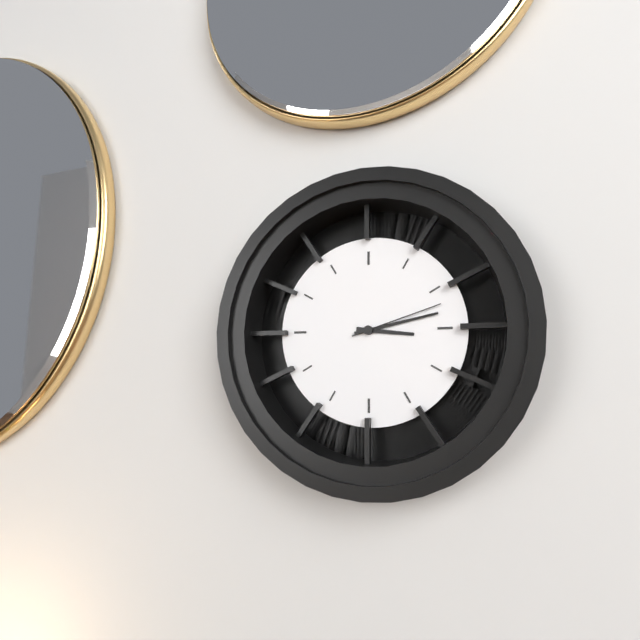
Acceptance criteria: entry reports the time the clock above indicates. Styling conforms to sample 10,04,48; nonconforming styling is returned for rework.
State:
3,13,12
